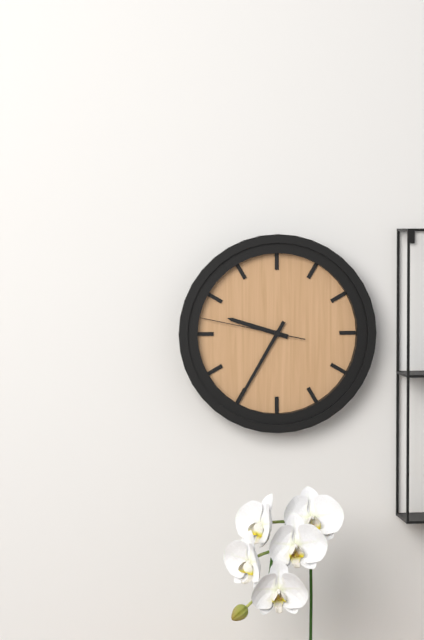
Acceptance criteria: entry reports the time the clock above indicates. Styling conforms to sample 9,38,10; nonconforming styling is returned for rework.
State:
9,35,47
